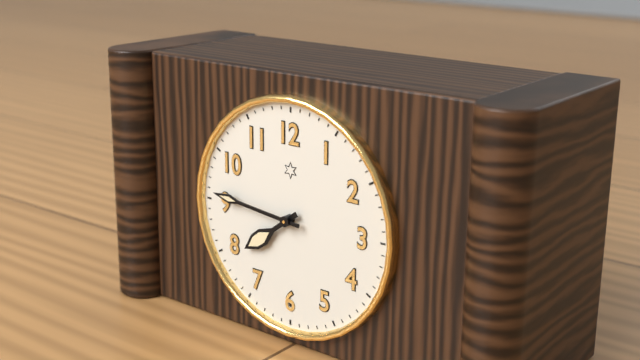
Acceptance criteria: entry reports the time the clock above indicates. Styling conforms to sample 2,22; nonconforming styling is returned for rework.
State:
7,46
